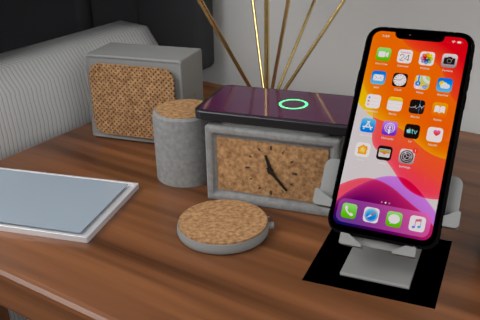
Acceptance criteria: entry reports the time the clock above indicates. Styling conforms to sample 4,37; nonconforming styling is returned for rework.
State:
11,23
